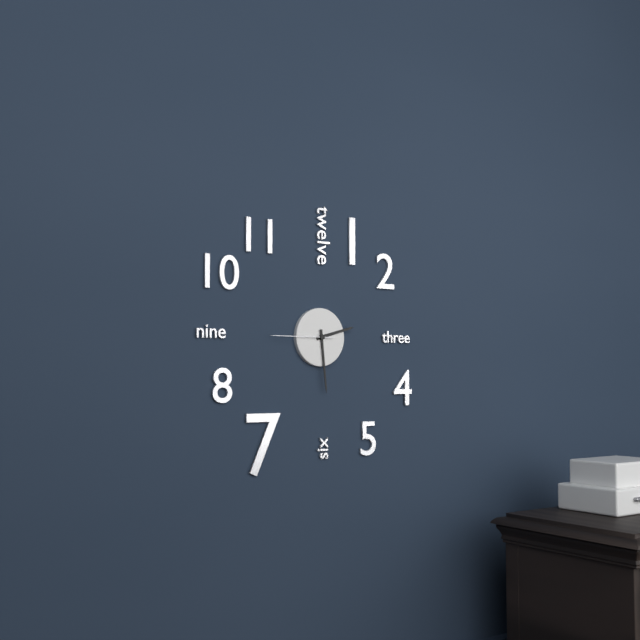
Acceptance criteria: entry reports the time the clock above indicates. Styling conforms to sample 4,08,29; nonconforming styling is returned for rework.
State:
2,29,45
